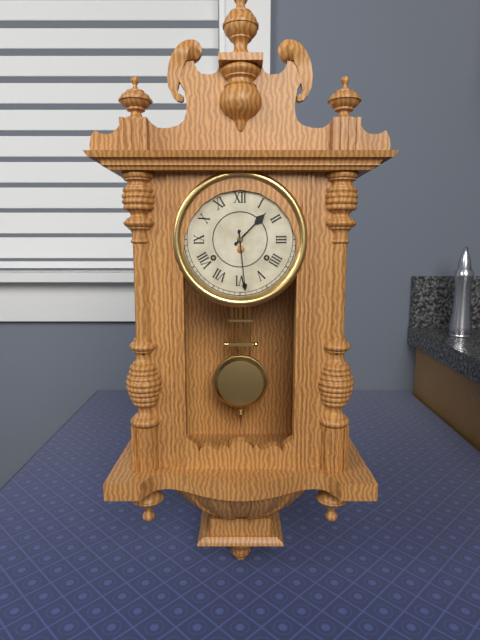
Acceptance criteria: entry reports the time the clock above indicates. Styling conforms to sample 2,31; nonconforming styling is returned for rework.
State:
1,29
